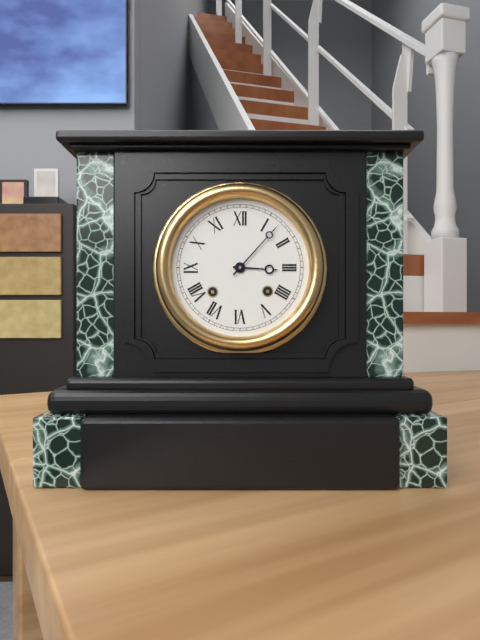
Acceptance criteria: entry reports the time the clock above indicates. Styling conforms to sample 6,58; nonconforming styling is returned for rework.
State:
3,07
